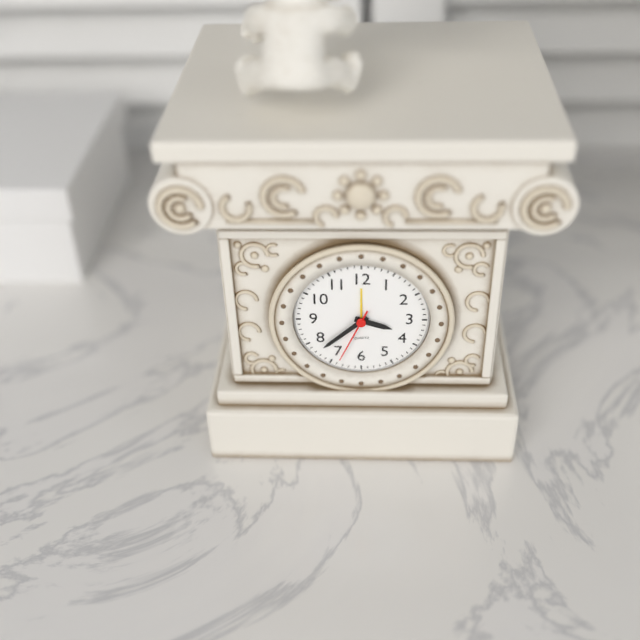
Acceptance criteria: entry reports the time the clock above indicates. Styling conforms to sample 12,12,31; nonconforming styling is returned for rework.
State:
3,38,34
